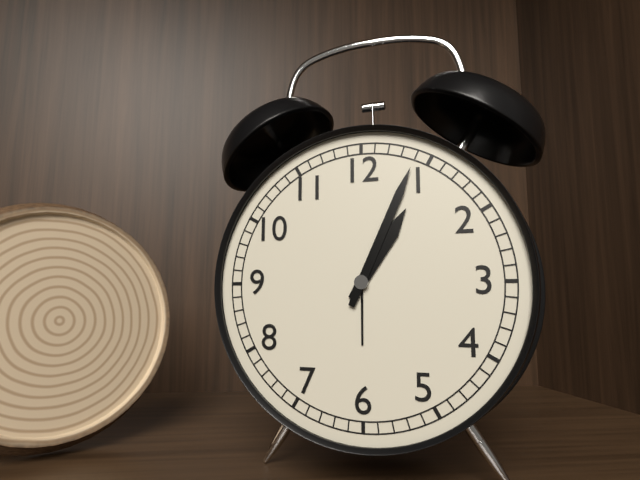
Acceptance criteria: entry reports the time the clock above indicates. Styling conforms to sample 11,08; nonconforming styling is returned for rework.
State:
1,04
